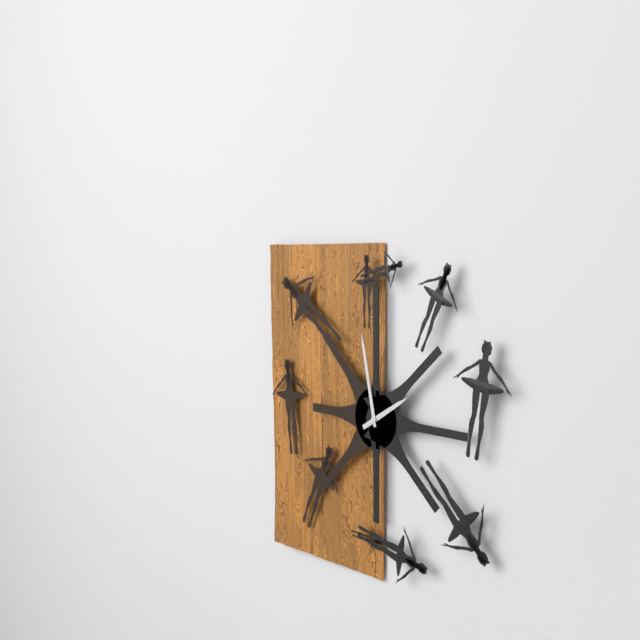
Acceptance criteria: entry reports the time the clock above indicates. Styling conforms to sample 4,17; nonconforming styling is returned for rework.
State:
1,58
